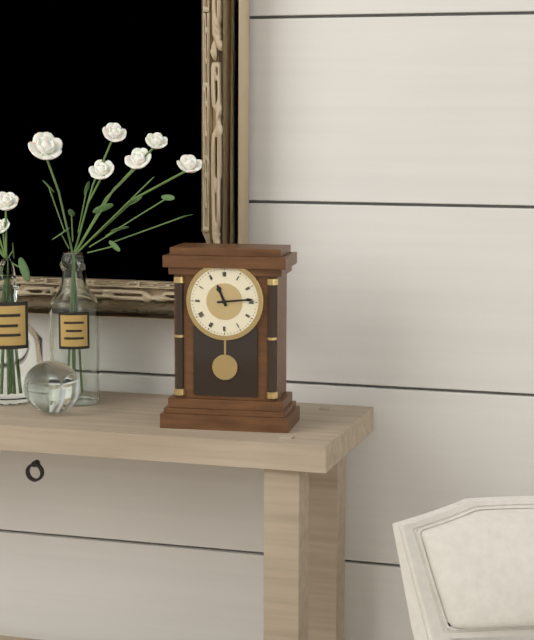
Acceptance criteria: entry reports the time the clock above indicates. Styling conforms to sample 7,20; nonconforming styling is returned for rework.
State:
11,14
